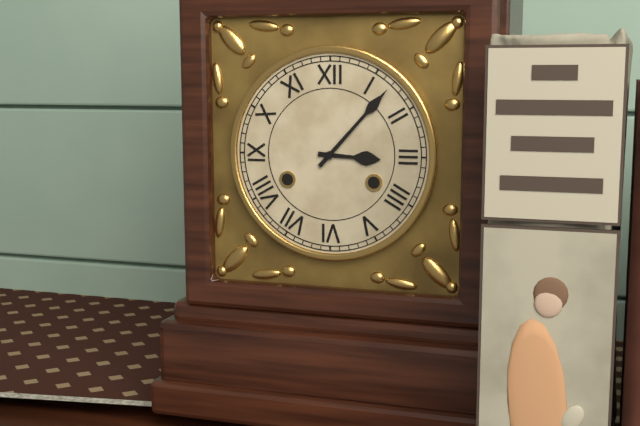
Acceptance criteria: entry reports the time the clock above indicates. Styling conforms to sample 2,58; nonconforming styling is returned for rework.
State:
3,07
